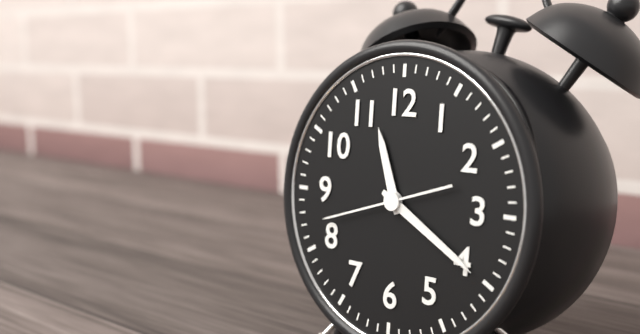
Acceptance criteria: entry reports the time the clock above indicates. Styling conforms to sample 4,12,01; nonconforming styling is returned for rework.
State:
11,20,42
